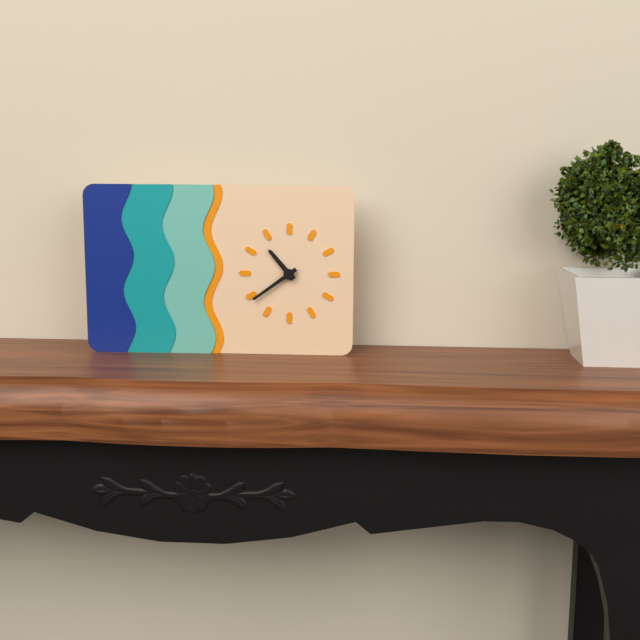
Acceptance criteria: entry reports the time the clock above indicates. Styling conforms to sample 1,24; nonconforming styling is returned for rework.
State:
10,39
